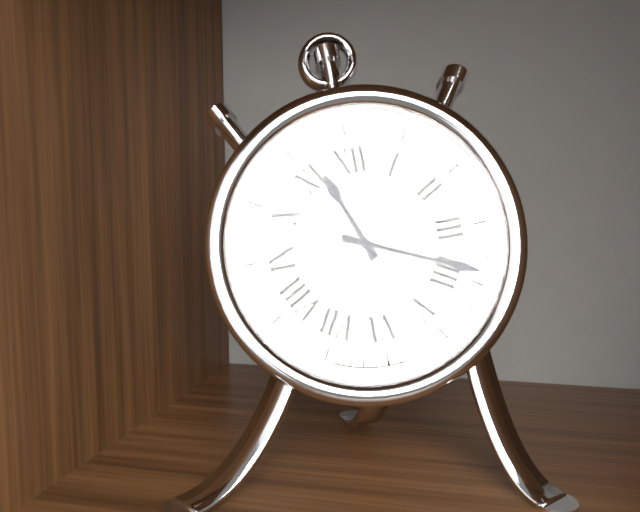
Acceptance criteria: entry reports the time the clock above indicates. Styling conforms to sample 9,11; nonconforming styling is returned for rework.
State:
11,19
